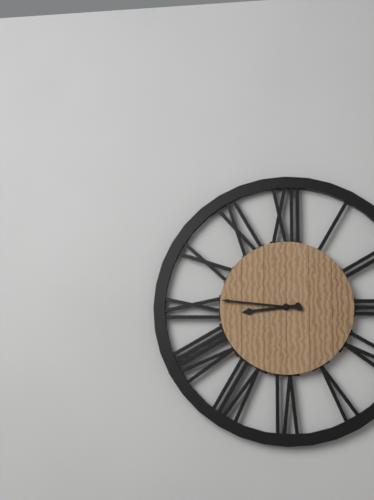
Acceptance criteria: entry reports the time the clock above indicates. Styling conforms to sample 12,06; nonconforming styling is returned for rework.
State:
8,46
